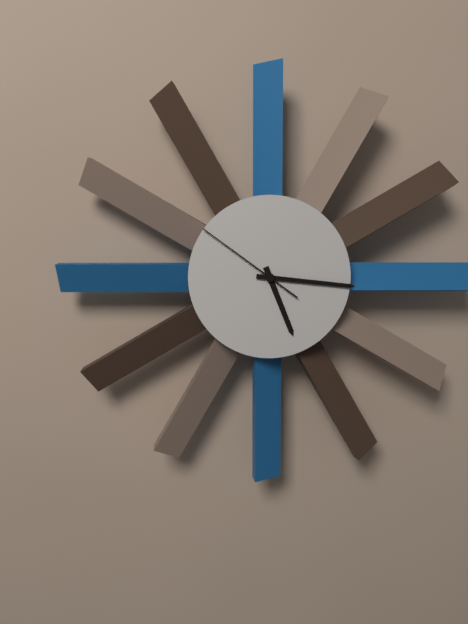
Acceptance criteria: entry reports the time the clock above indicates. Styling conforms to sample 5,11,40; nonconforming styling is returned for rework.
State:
5,16,51
